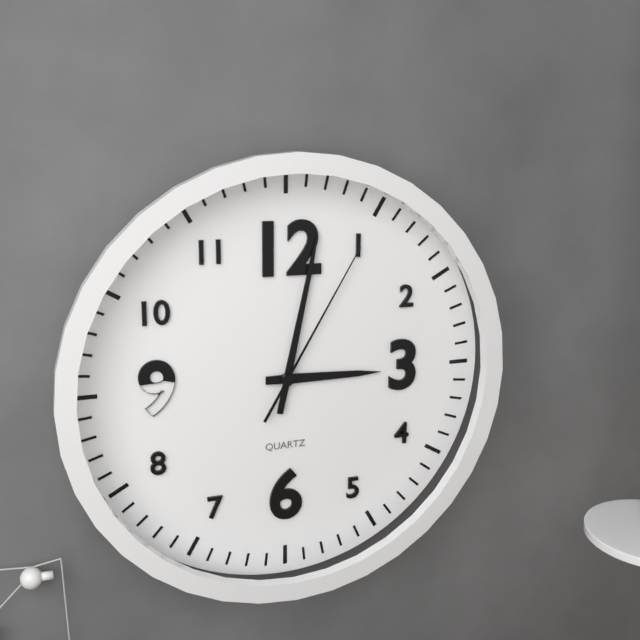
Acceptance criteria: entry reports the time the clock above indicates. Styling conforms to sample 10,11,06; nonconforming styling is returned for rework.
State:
3,02,05
